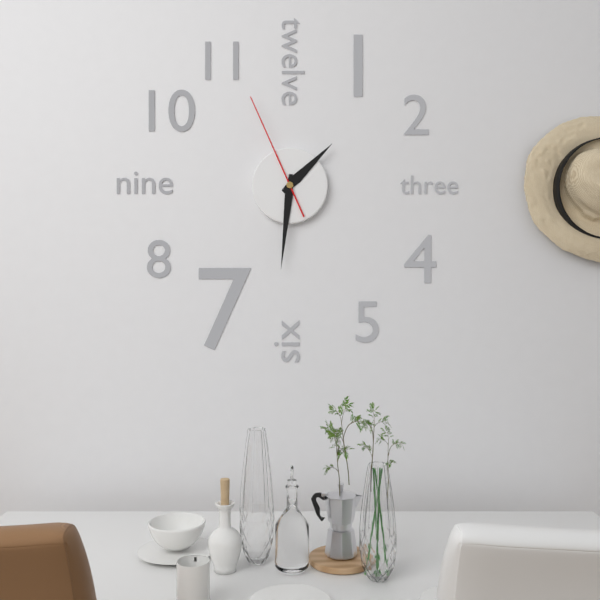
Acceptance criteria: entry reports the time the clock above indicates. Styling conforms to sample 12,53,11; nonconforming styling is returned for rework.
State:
1,31,56
